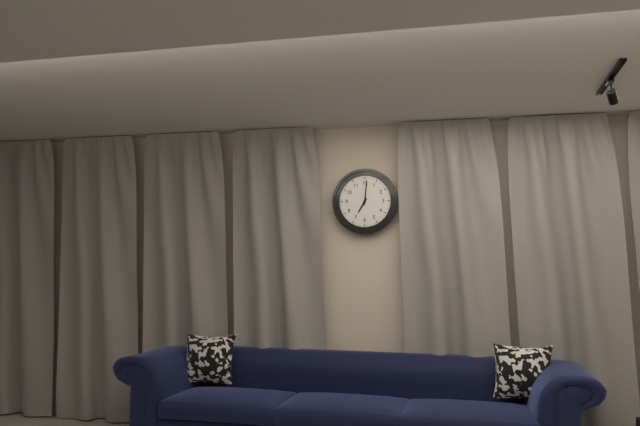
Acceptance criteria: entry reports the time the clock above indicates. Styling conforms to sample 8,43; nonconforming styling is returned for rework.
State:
7,01
